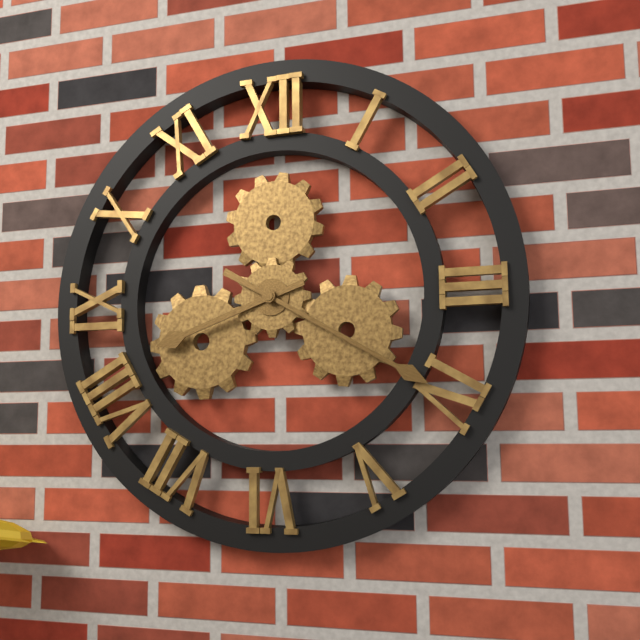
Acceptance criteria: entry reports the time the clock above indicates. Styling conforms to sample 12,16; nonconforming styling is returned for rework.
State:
8,20
